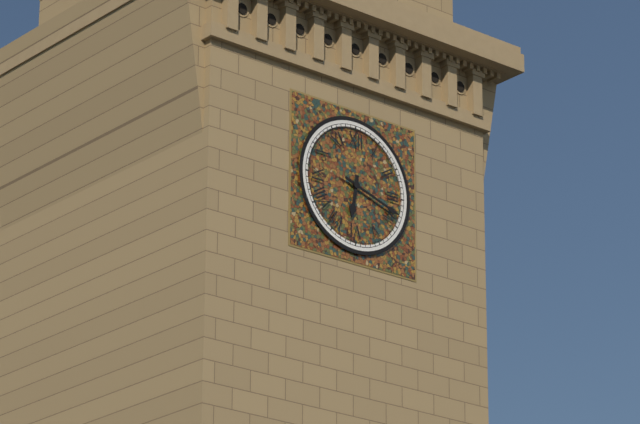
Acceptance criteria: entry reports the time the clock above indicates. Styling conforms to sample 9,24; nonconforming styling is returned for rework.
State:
6,18
